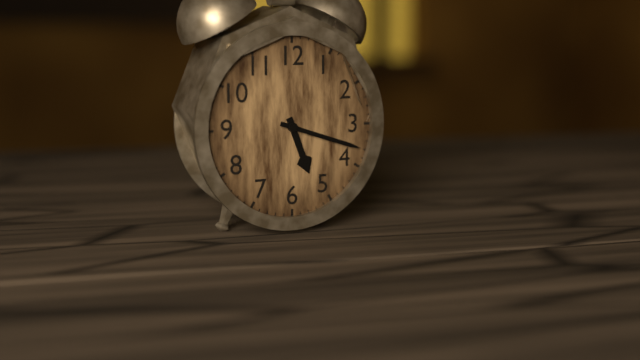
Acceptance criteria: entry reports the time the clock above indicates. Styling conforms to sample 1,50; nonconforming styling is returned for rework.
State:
5,18
